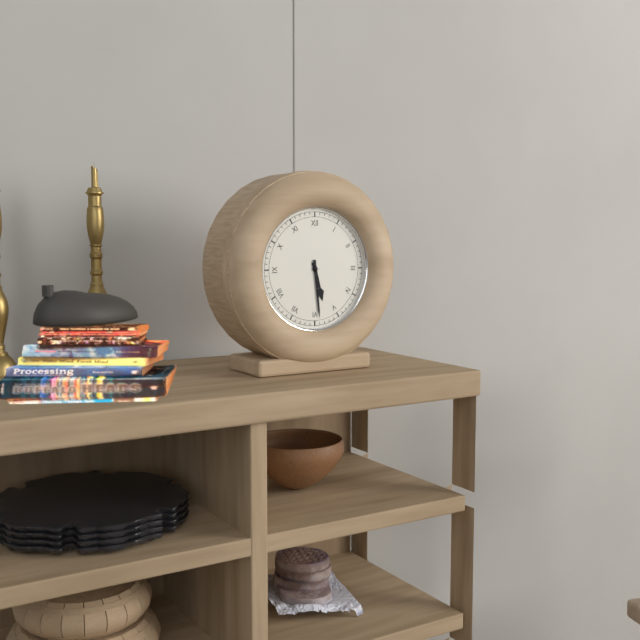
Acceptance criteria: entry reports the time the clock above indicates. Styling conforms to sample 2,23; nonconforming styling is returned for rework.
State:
5,29
